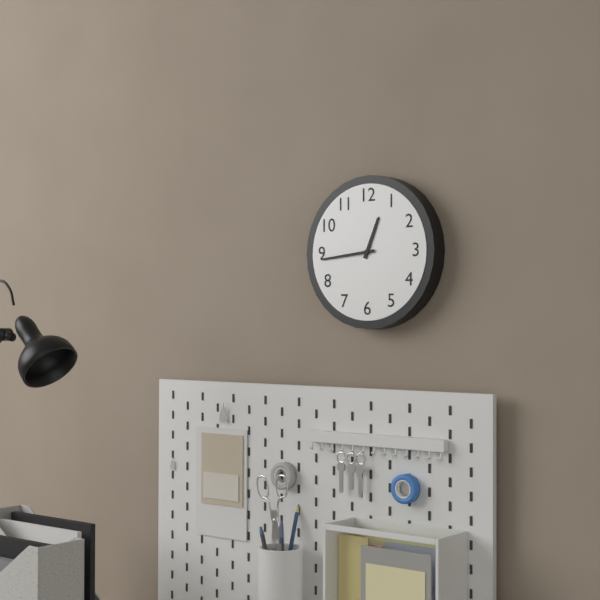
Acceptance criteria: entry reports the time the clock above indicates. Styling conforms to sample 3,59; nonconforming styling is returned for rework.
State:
12,44
